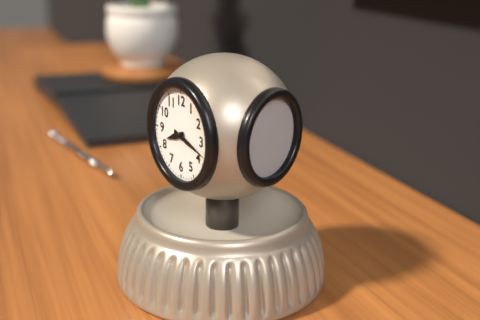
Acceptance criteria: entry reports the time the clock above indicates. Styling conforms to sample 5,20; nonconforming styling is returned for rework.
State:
8,18
